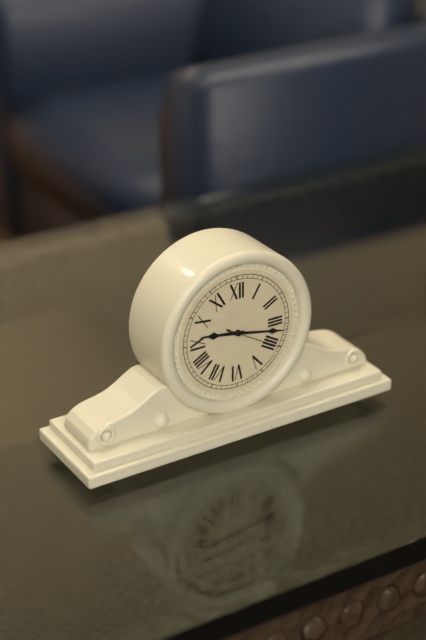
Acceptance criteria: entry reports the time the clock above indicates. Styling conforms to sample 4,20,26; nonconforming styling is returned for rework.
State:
9,17,20
